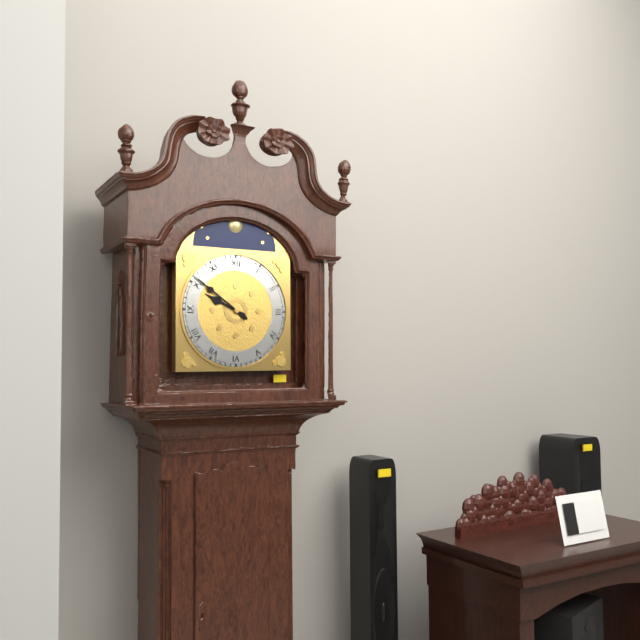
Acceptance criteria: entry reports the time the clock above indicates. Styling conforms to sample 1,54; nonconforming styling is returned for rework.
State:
9,51
